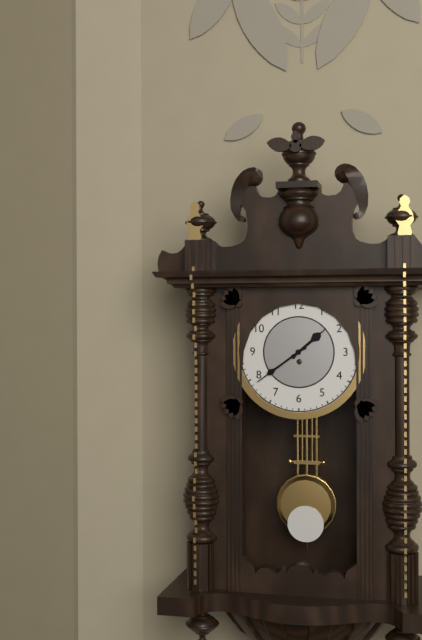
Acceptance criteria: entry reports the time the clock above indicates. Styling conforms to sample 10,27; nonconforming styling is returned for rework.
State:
1,39
